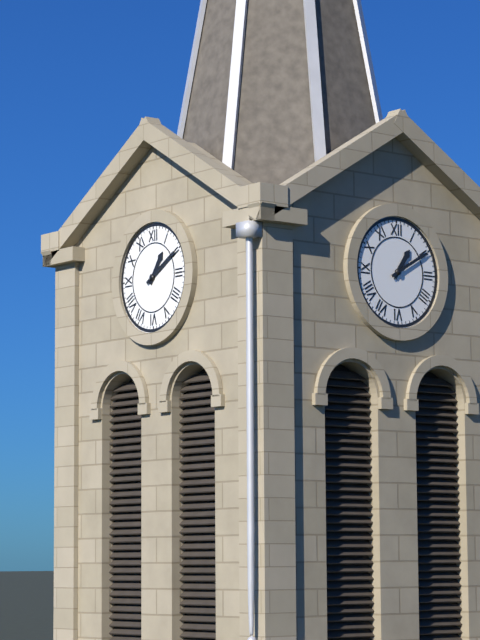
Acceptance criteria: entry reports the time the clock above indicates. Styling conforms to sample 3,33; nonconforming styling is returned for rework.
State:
1,10
